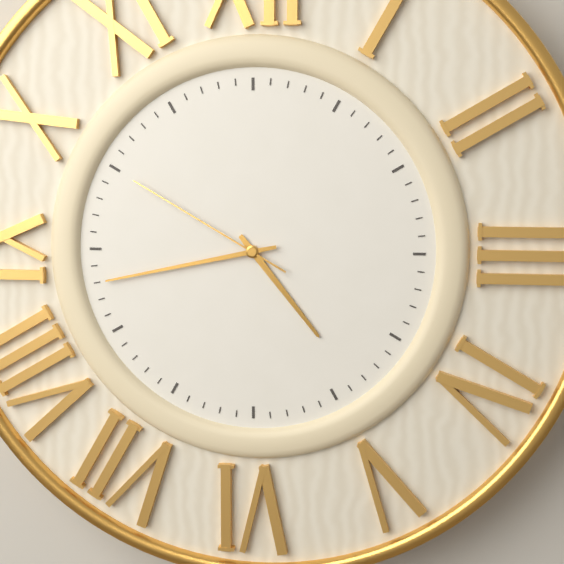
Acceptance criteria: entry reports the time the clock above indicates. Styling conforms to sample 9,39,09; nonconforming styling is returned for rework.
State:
4,43,50
